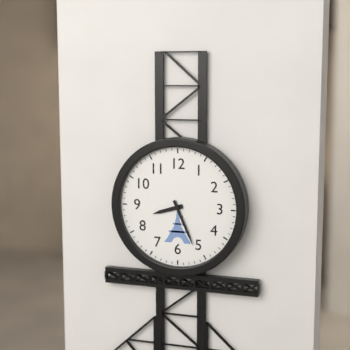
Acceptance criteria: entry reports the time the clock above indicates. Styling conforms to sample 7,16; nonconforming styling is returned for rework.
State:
8,26
